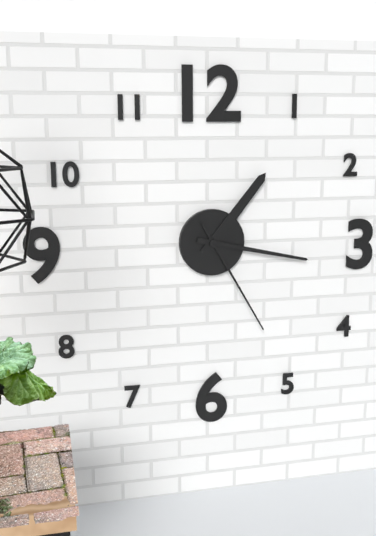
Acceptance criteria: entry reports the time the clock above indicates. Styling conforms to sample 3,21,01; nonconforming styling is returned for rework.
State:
1,17,25
